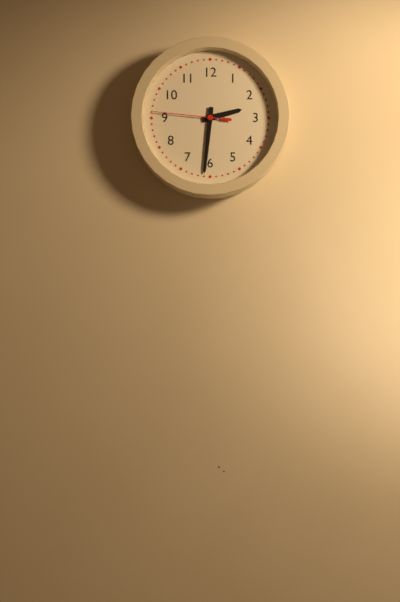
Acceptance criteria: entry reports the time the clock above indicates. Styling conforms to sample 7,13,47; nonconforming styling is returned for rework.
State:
2,31,46
